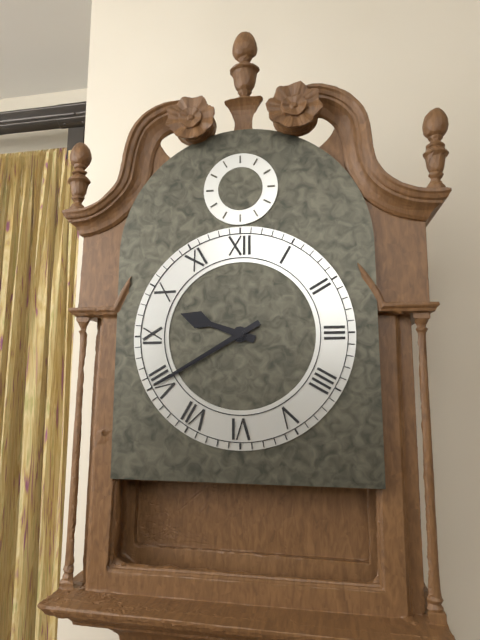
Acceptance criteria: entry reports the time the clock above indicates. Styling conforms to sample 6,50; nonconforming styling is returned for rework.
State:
9,40
